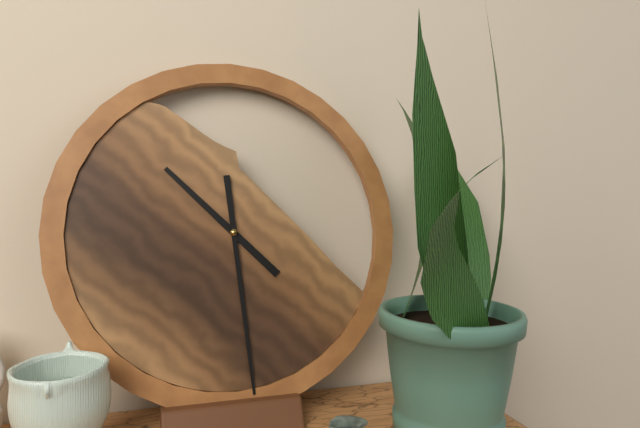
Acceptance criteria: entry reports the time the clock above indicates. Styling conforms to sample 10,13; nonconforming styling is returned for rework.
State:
10,29
